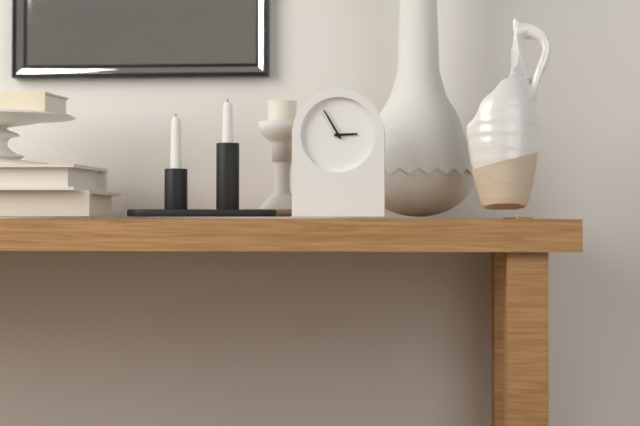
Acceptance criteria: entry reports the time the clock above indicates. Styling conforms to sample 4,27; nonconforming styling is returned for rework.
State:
2,55
